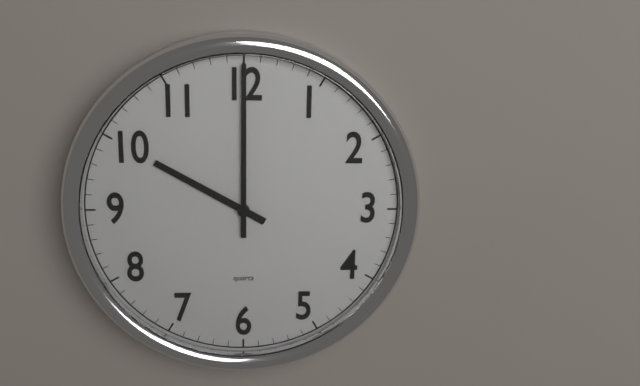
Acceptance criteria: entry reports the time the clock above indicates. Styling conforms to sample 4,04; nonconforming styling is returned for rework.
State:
10,00
